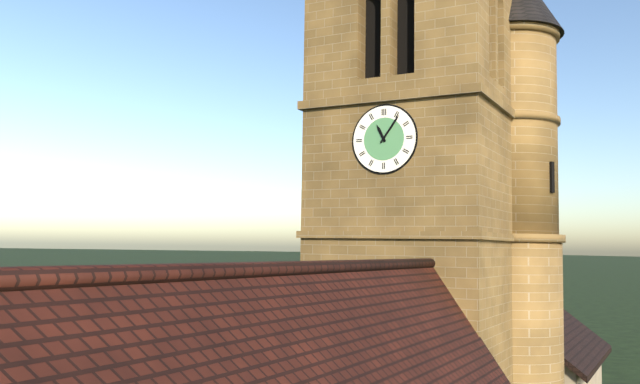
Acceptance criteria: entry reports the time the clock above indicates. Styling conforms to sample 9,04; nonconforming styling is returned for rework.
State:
11,06
